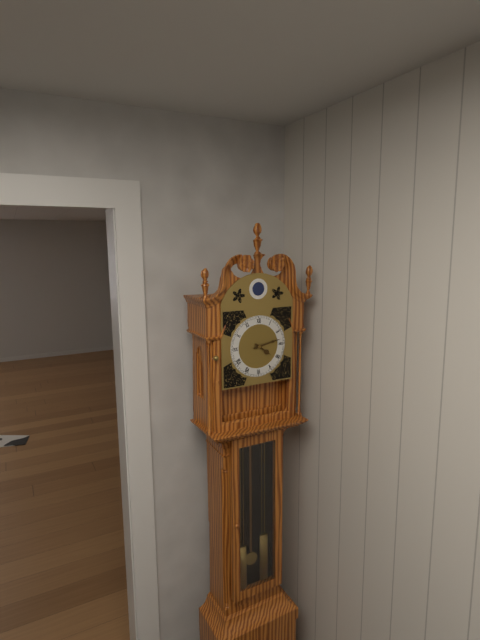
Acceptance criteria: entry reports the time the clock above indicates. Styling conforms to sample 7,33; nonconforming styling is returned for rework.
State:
4,13
